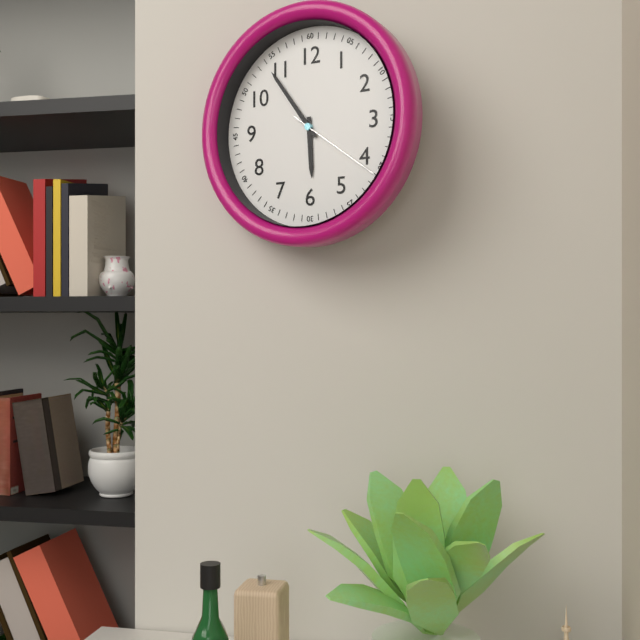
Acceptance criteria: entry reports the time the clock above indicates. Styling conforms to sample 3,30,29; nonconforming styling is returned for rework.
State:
5,54,21
